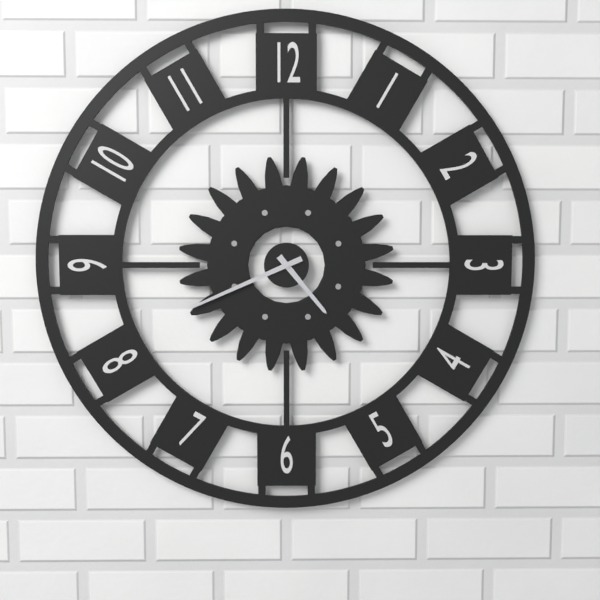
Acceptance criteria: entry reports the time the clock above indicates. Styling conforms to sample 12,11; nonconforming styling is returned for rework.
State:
4,41
